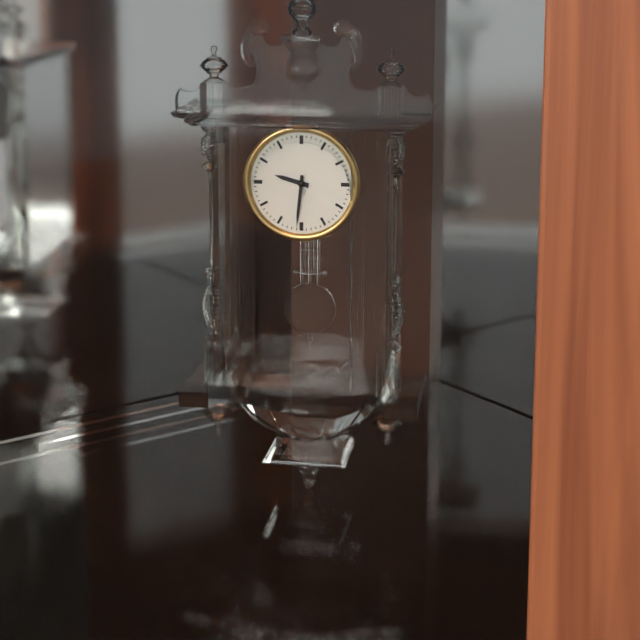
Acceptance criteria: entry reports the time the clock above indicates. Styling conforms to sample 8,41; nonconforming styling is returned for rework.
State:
9,31
